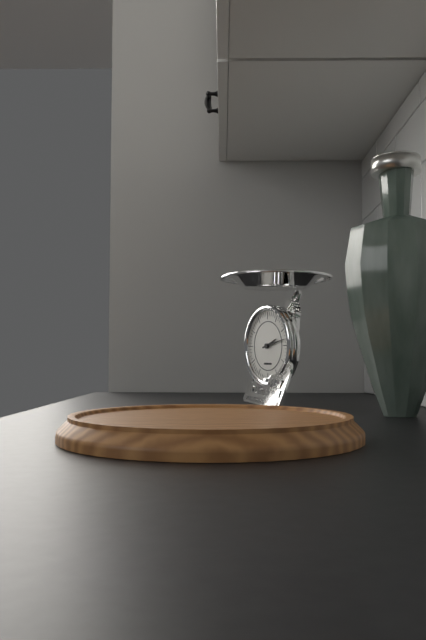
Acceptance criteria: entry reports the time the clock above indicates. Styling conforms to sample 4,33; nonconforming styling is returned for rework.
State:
2,13
